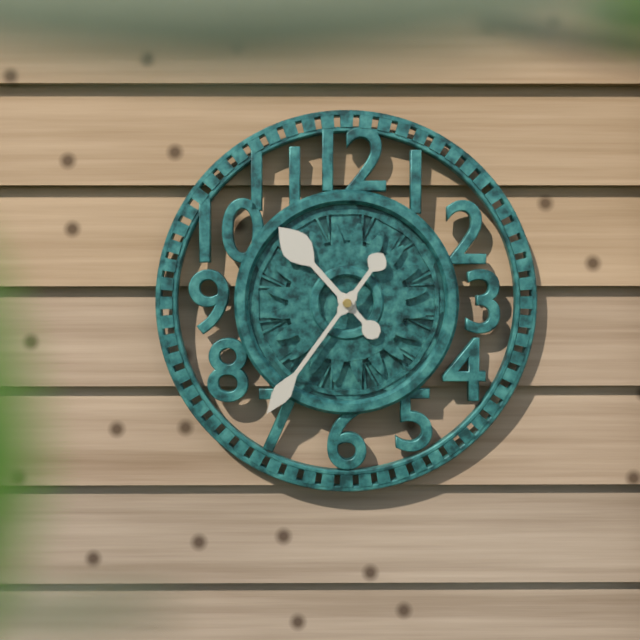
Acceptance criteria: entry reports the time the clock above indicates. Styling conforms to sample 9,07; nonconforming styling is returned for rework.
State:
10,36
